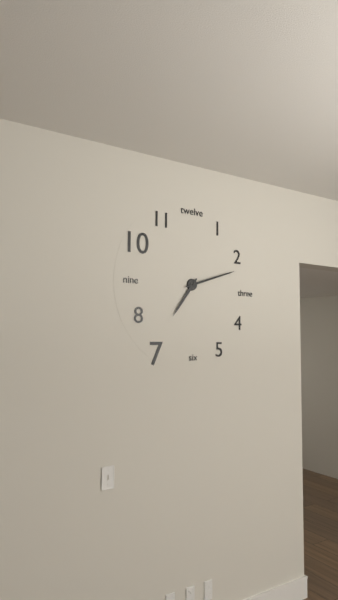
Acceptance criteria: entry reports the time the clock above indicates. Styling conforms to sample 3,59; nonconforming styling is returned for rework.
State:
7,12
